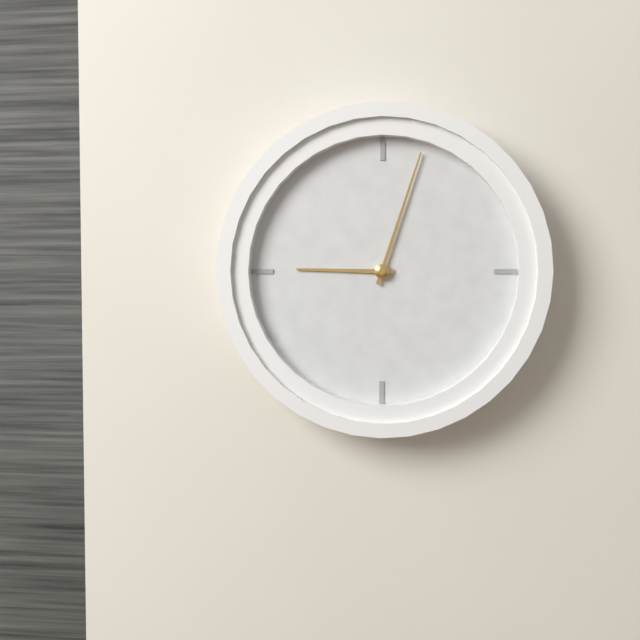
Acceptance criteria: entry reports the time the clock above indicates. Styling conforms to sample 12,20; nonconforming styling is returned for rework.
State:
9,03
